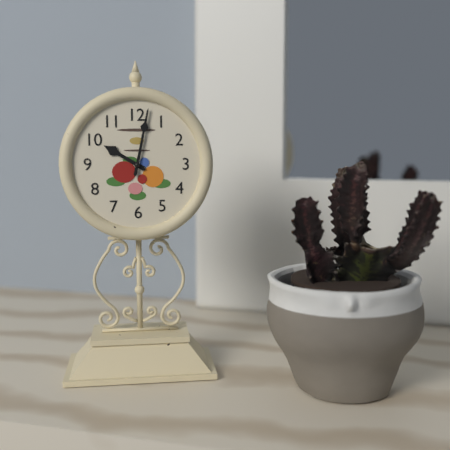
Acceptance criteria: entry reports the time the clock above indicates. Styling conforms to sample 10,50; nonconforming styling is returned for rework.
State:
10,02
